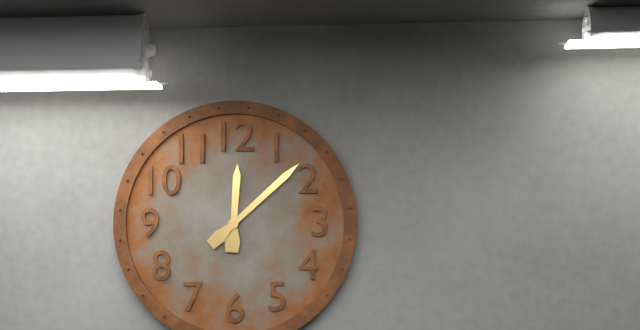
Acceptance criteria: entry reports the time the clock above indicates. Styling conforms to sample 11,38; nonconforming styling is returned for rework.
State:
12,08
